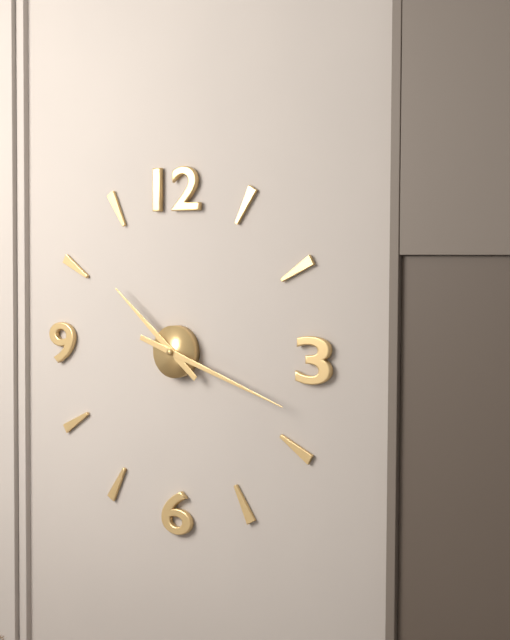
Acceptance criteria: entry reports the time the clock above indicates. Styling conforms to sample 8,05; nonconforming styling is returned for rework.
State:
10,18
